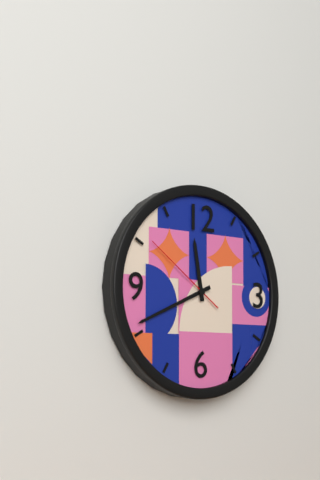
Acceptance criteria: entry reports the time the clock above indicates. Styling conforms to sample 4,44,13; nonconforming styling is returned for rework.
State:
11,41,51
